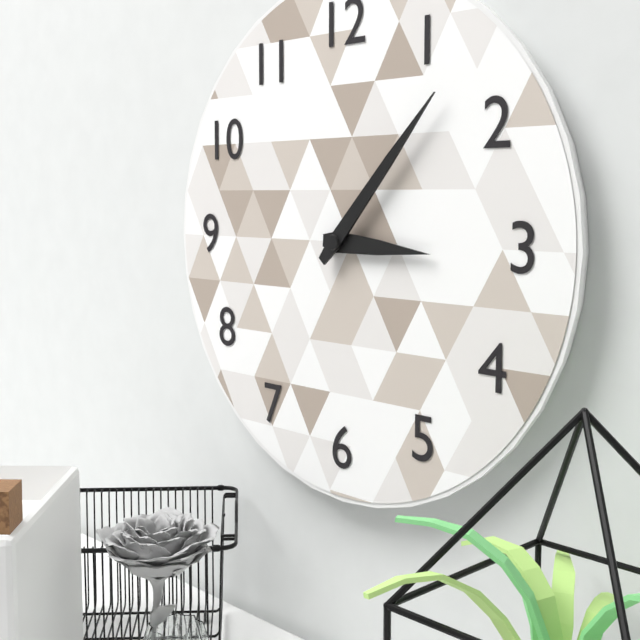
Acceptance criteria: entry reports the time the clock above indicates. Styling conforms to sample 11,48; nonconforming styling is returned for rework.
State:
3,07
